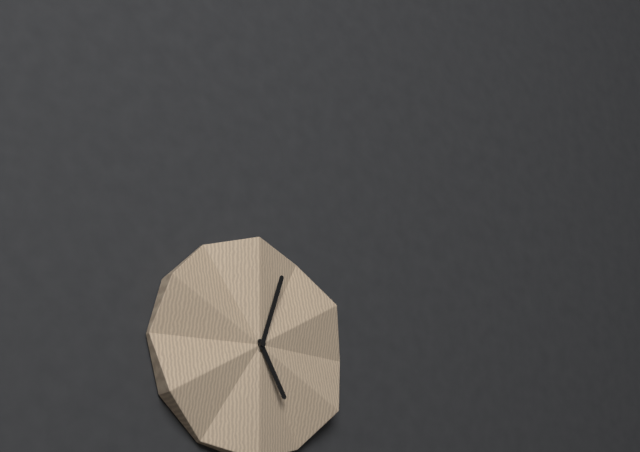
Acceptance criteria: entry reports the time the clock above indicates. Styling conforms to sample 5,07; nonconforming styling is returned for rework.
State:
5,03
